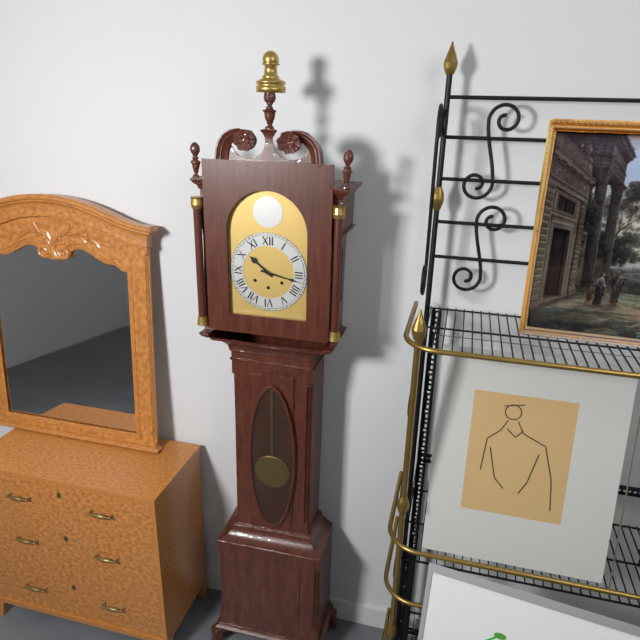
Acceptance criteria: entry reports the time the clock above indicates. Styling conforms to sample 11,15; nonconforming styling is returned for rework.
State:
10,17
